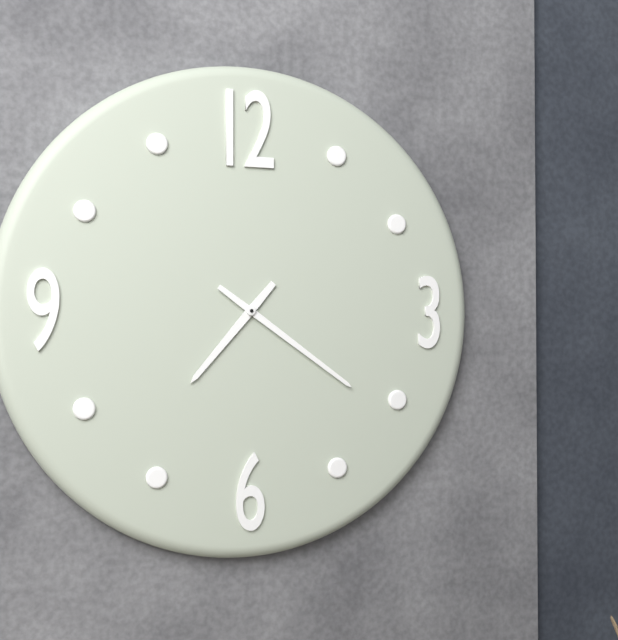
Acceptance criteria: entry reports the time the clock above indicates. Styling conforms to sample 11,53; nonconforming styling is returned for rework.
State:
7,21
